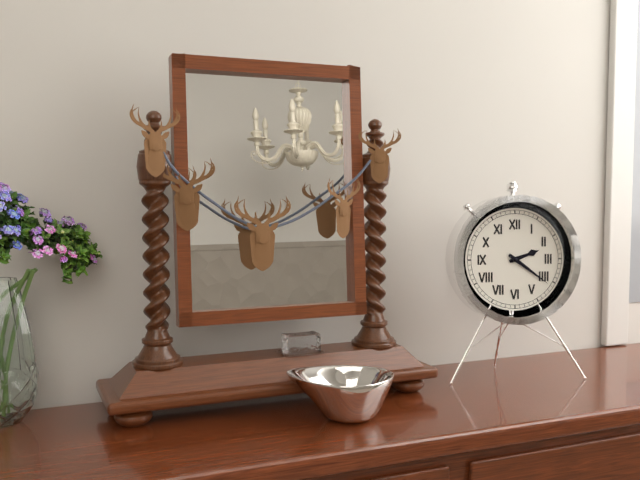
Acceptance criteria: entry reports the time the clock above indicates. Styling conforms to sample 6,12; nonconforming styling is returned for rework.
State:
2,21
